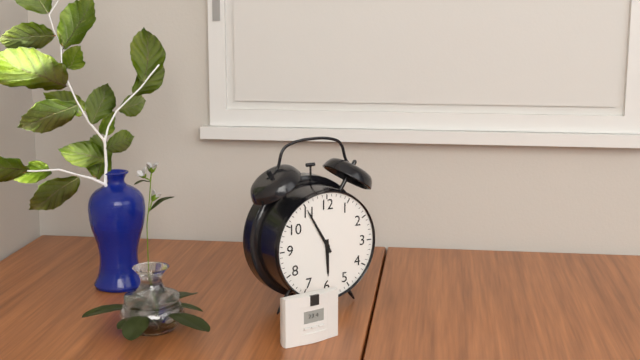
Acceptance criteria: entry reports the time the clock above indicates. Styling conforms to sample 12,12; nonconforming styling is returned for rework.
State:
5,55
